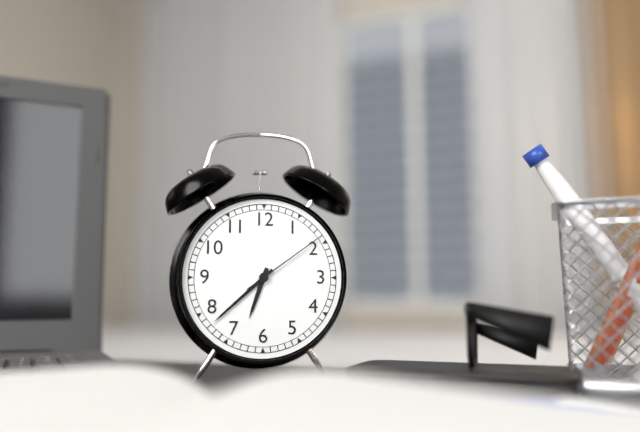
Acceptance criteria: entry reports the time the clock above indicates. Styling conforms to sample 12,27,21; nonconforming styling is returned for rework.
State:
6,38,09
